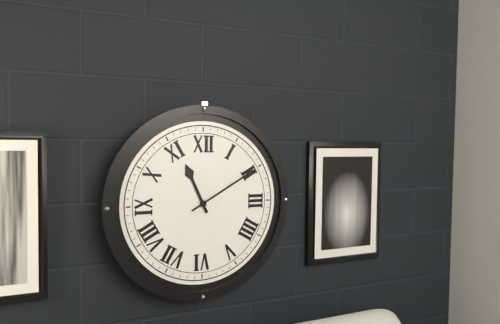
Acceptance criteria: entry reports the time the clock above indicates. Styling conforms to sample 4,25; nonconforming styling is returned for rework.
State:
11,10
